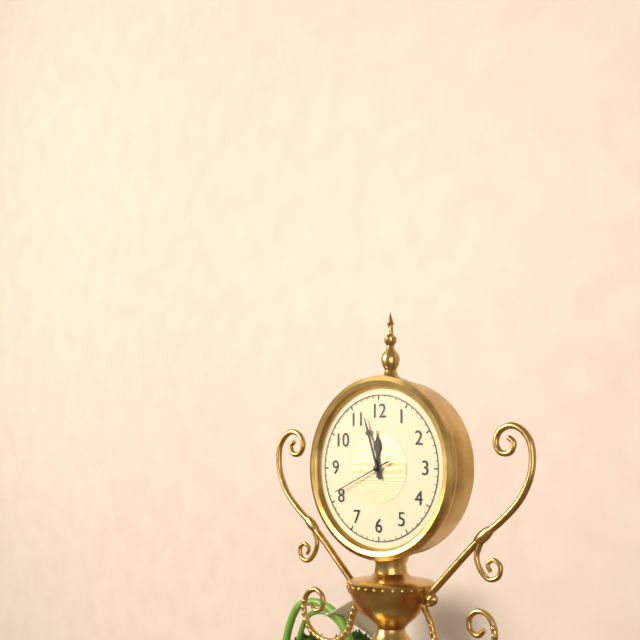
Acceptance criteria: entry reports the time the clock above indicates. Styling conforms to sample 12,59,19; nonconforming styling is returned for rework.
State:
11,57,41
